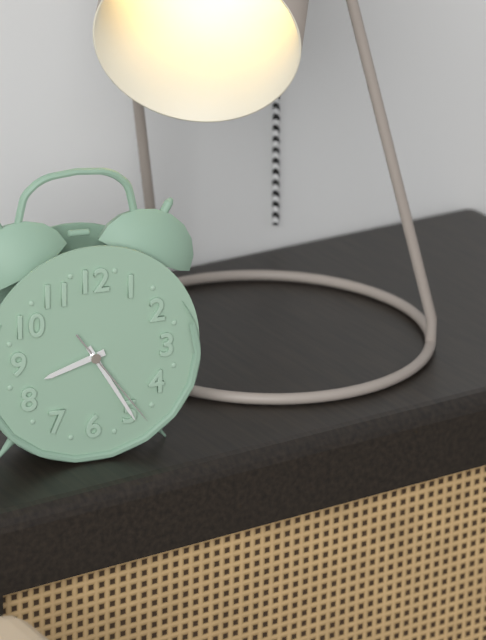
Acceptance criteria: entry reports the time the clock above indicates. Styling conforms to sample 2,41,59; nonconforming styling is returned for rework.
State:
8,25,24
